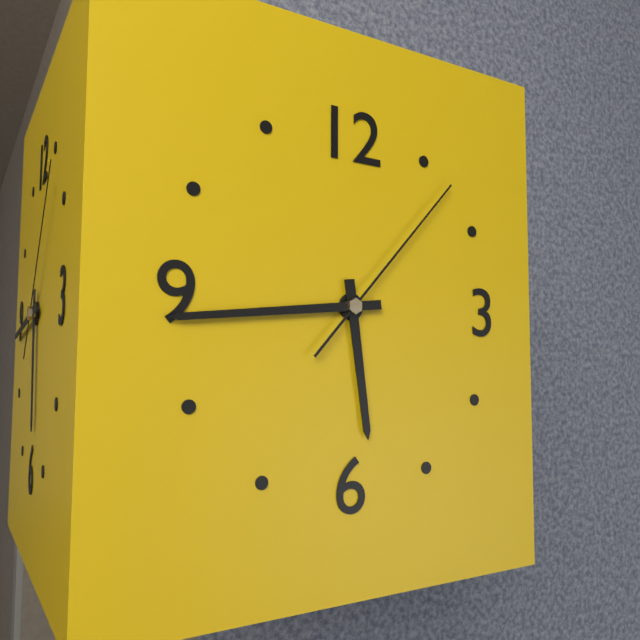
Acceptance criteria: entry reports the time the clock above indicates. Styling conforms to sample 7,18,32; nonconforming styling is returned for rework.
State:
5,44,07
